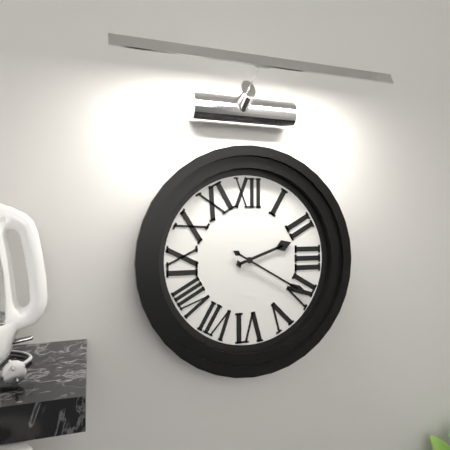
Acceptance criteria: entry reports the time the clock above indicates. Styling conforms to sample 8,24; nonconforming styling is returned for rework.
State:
2,20
